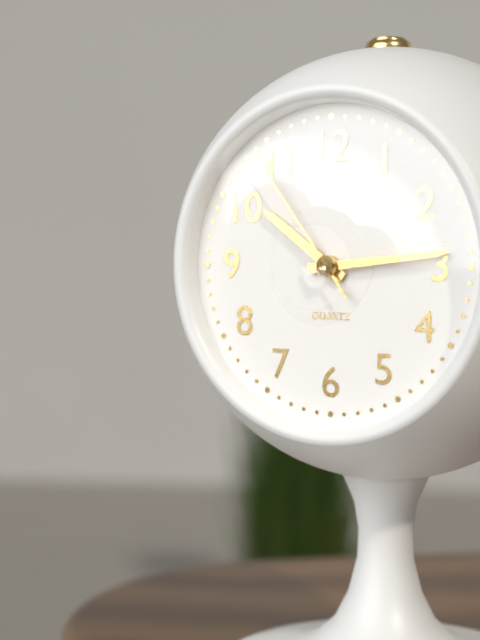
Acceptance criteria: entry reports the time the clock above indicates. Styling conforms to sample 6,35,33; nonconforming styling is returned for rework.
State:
10,14,54
